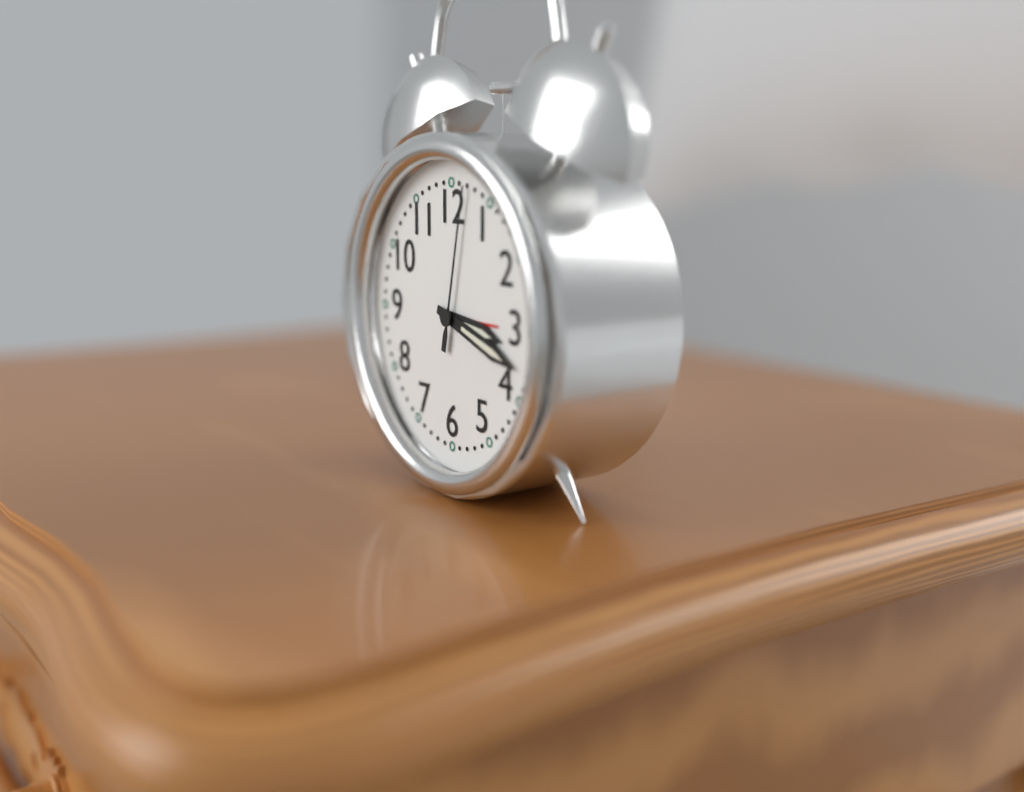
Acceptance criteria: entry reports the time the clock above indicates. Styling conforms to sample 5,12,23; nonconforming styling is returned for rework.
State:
3,18,02
